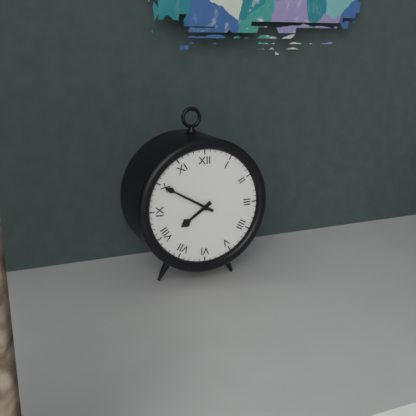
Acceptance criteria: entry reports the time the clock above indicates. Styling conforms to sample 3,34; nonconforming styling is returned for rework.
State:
7,50
